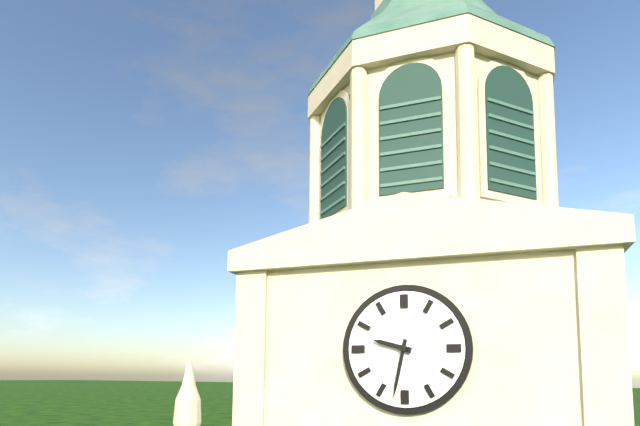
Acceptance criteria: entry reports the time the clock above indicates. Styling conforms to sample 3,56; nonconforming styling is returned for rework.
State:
9,32
